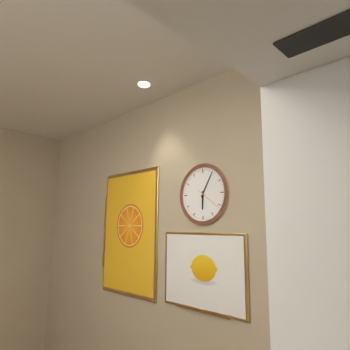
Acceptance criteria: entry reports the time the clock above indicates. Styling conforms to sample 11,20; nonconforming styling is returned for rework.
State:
6,05
